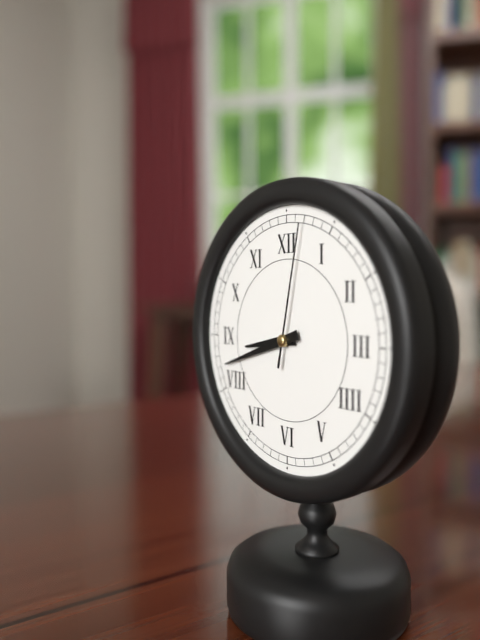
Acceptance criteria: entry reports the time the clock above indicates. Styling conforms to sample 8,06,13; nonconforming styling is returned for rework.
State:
8,42,02
